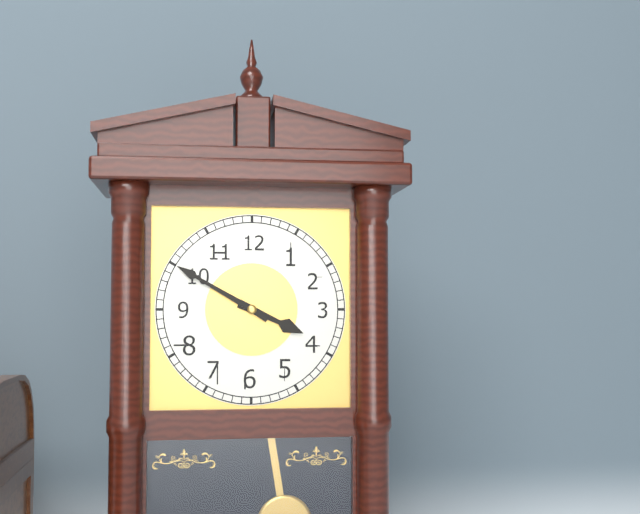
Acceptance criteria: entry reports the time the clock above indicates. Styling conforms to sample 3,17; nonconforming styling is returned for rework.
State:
3,50
